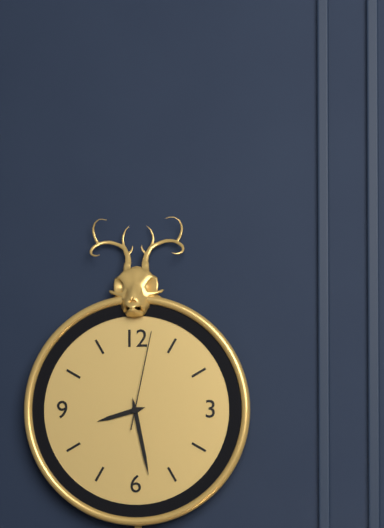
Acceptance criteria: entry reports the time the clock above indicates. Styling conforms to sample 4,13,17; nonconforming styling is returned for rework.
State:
8,28,02
